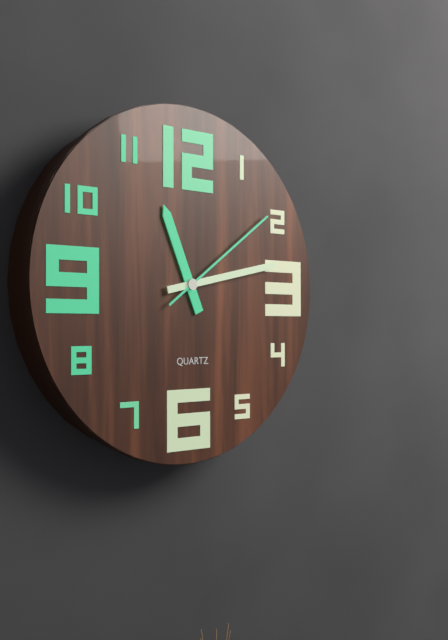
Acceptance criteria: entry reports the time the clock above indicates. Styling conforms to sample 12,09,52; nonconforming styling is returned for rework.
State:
11,13,09
